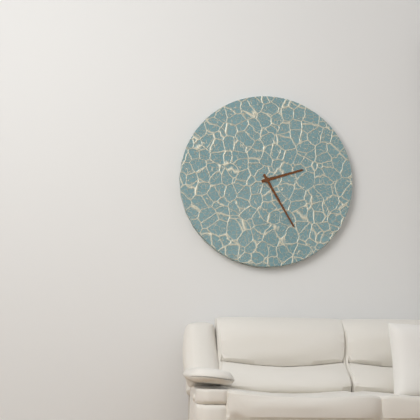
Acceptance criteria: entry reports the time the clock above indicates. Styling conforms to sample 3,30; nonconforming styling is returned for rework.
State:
2,25
